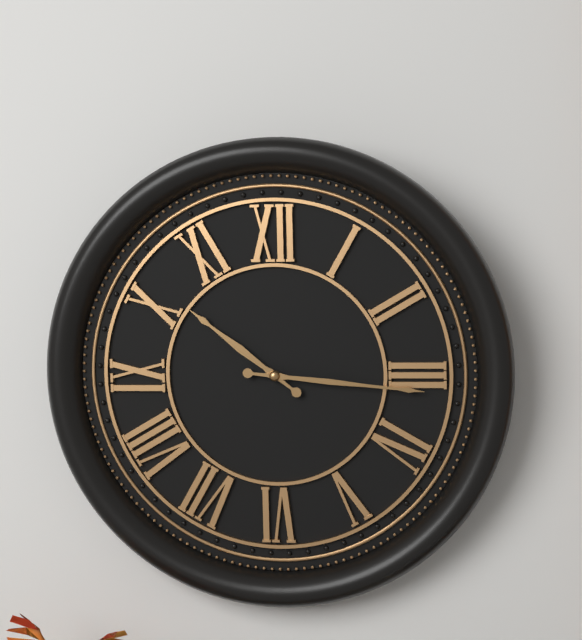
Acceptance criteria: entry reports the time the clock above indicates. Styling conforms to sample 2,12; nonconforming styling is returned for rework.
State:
10,16
